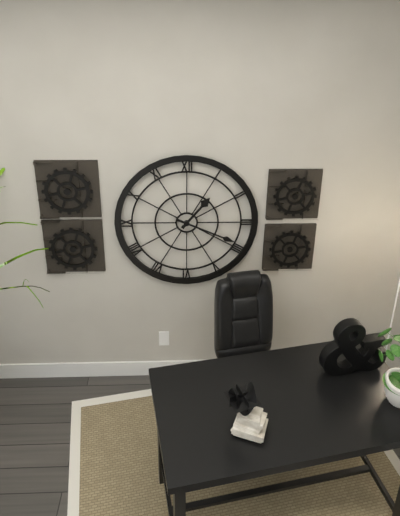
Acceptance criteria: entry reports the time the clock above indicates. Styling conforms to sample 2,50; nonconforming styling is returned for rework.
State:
1,19
